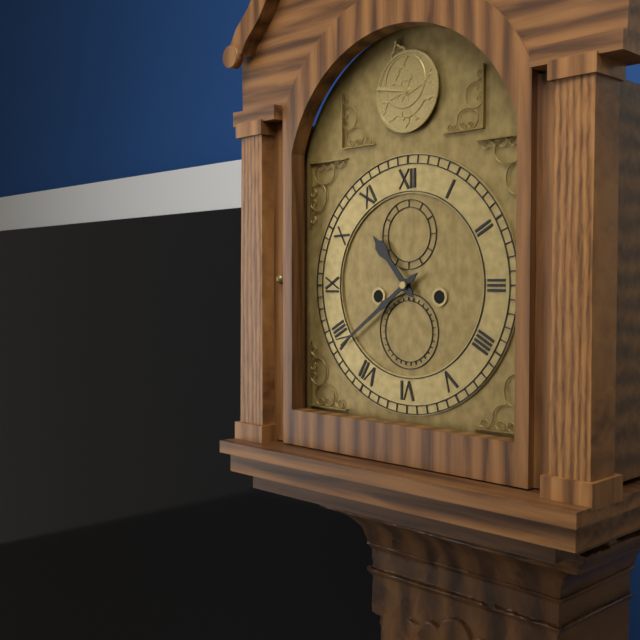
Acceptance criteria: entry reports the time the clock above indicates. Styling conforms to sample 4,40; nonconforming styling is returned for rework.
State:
10,39
